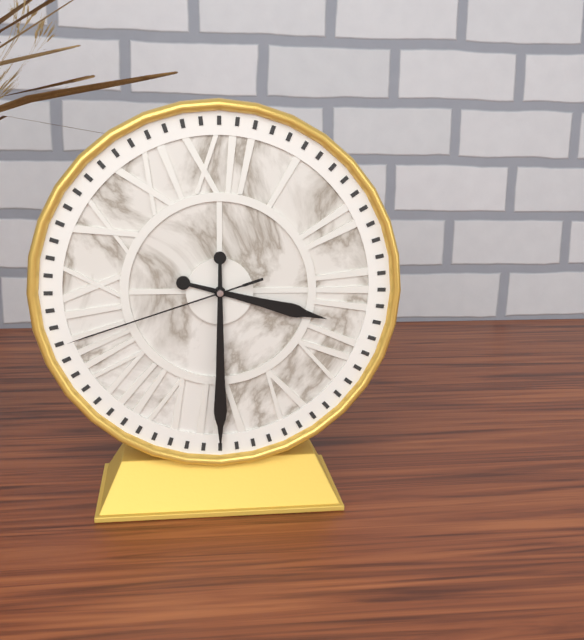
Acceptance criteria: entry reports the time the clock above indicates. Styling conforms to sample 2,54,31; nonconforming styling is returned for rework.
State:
3,30,42
